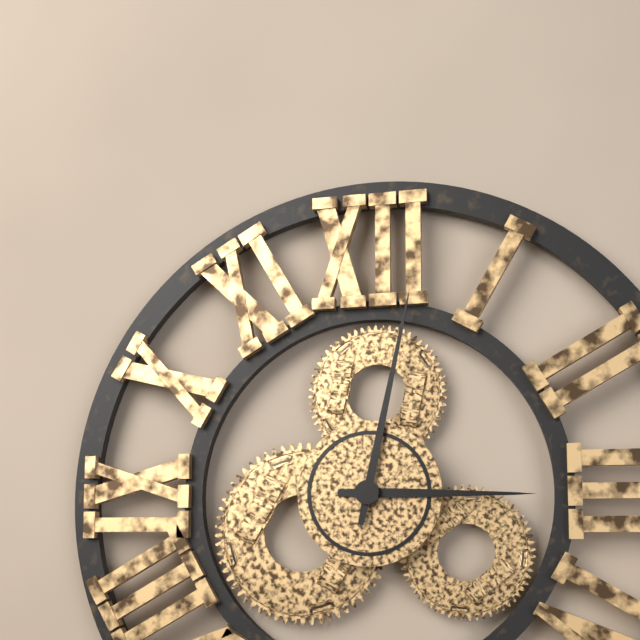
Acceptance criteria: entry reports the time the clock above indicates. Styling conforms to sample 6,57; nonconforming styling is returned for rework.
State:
3,02
